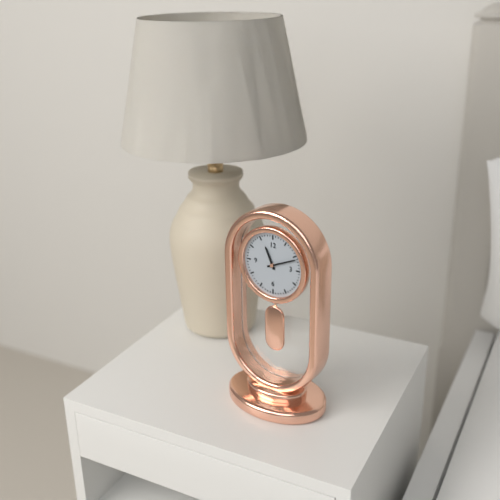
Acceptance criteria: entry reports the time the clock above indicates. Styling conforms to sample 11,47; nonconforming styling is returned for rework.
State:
11,11
